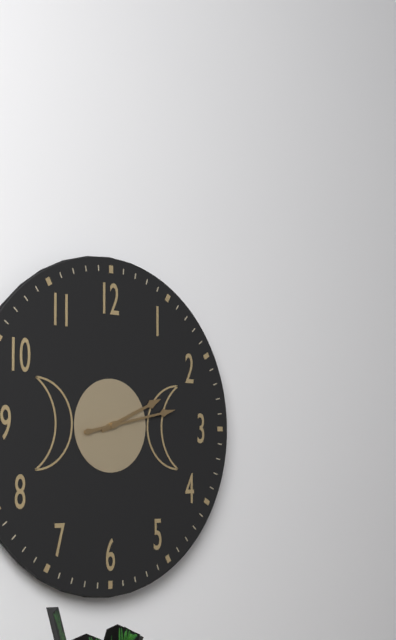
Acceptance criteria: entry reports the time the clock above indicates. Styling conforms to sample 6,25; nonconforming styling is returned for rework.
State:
2,13
